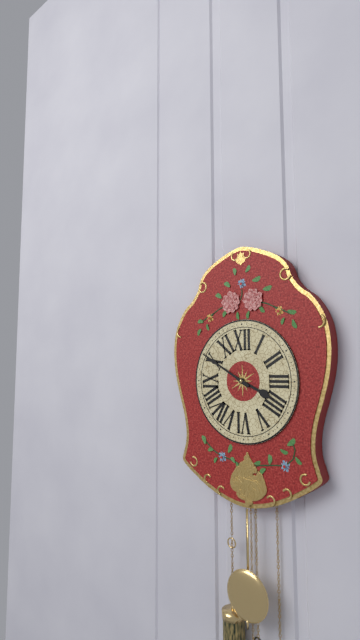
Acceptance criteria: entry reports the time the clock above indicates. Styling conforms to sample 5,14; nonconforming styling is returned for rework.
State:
3,50
